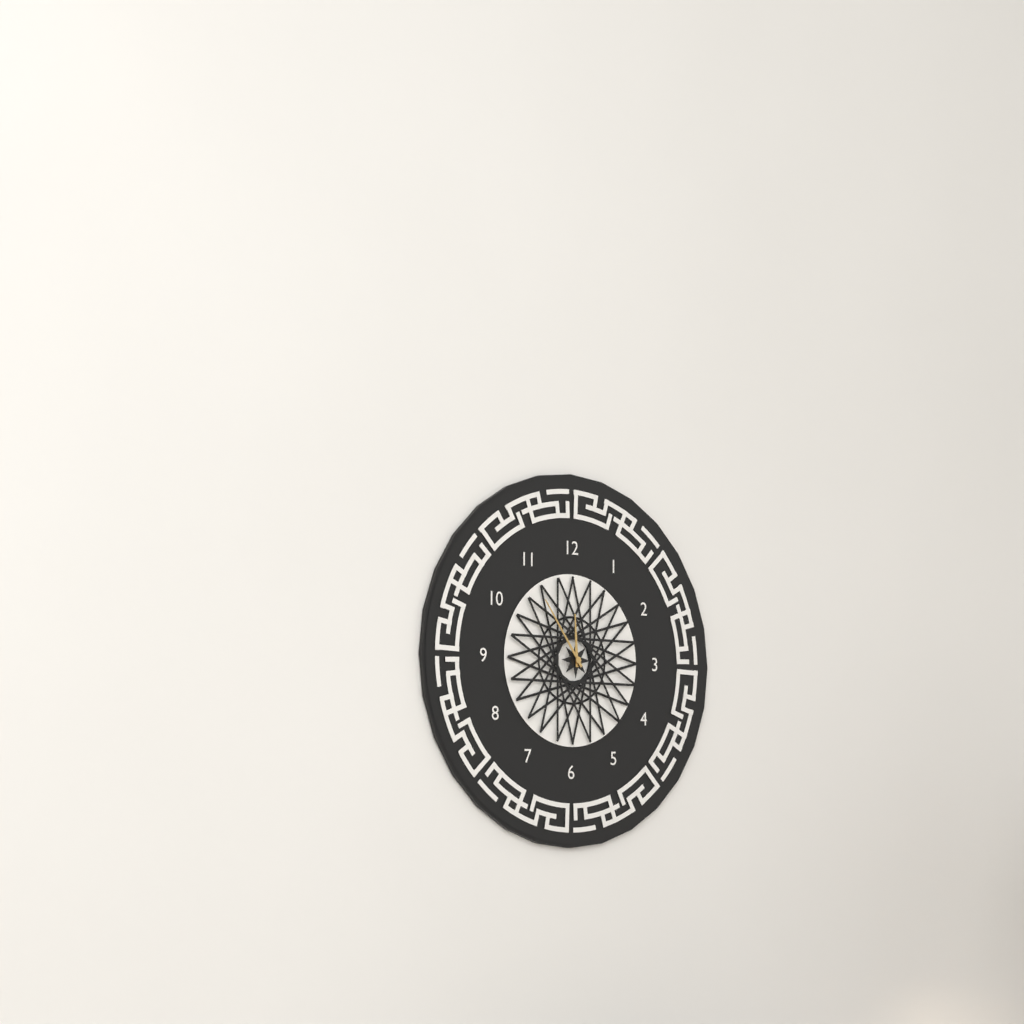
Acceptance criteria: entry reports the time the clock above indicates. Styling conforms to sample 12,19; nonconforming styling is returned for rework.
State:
11,54
